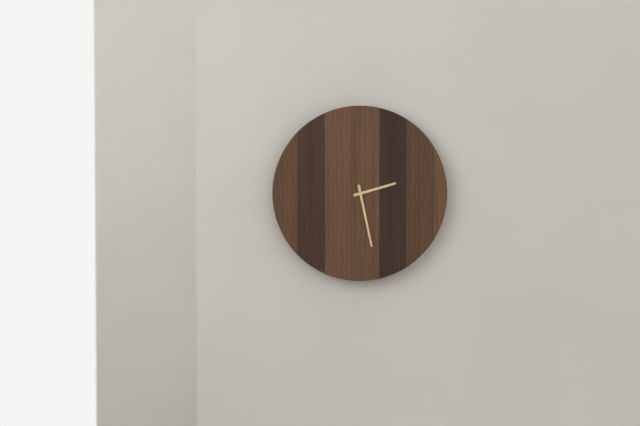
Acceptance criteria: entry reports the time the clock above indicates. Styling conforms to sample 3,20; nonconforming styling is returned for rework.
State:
2,28
